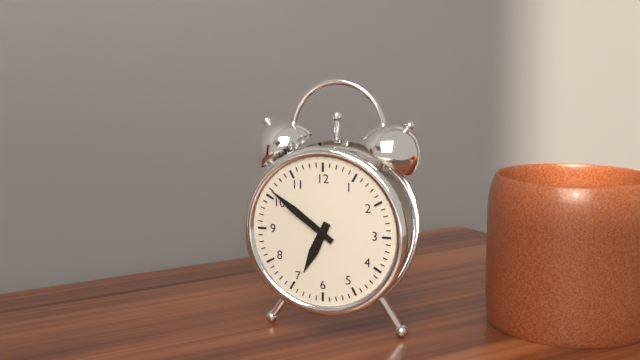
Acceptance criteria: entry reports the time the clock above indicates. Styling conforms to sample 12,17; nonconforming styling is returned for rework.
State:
6,51
